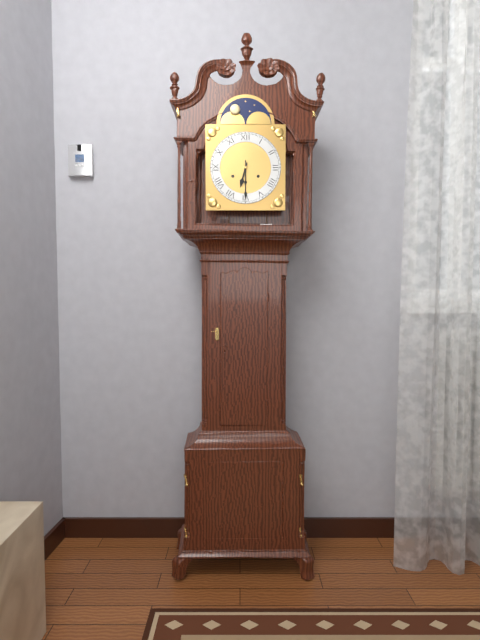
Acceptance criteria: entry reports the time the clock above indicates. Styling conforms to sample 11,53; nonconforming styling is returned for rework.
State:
6,30
